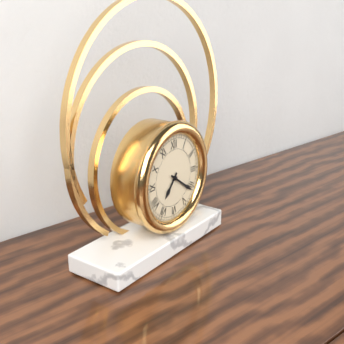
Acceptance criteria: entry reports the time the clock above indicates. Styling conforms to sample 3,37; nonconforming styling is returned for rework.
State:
7,21
